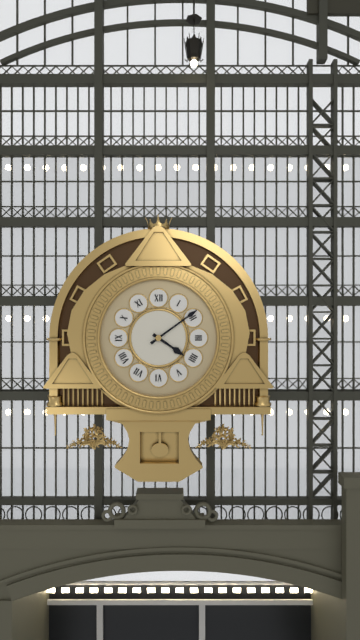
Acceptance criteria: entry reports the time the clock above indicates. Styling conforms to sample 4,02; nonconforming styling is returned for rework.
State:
4,09
